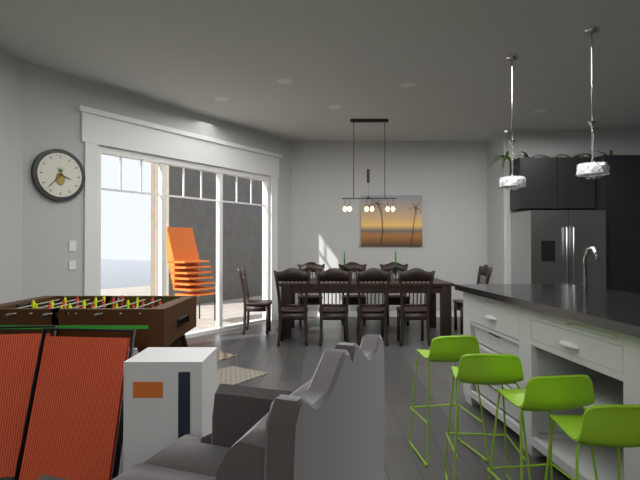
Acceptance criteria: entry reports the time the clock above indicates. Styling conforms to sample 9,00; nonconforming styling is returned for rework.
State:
3,37
